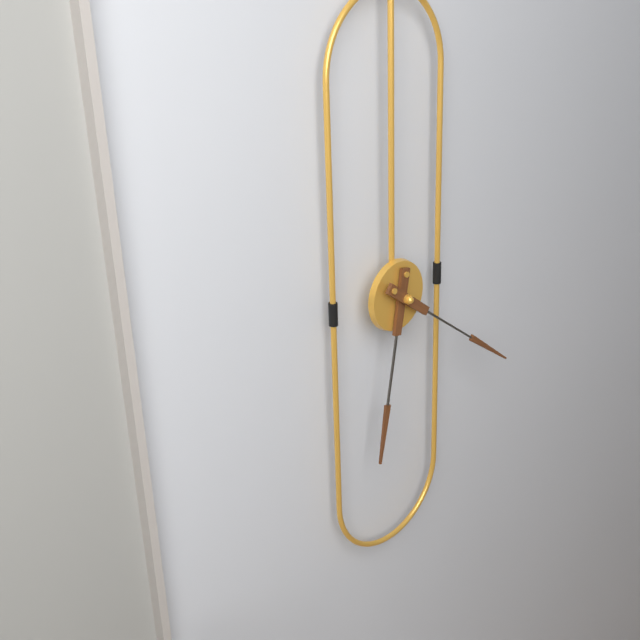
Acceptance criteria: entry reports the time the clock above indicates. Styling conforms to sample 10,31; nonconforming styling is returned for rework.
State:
6,21
